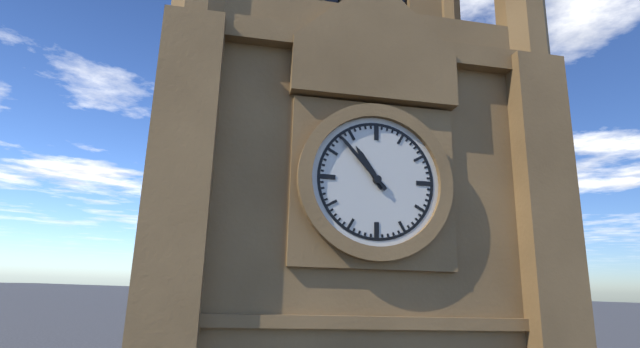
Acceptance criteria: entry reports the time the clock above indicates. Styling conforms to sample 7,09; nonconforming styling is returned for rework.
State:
10,53
